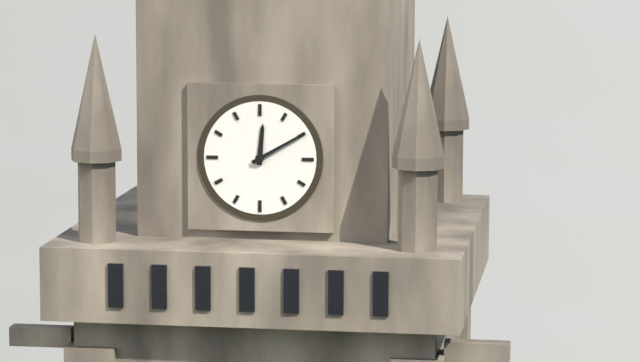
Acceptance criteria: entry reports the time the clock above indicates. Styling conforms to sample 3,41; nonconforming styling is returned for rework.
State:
12,10
